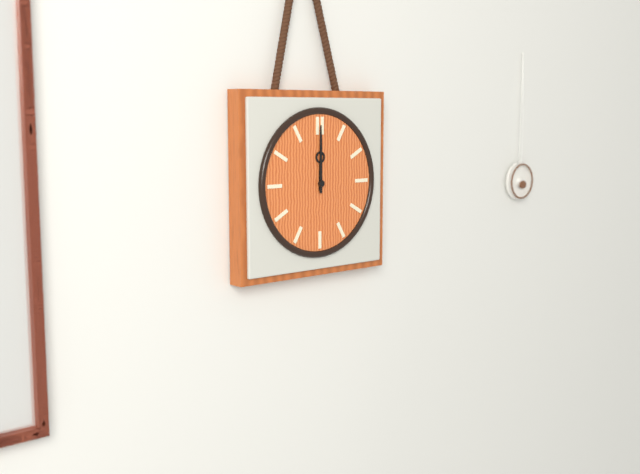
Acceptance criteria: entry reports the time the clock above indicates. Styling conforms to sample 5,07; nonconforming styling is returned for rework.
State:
12,00
